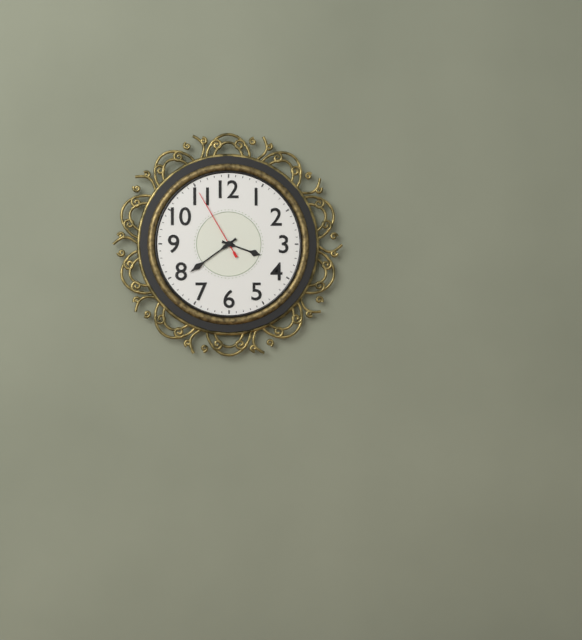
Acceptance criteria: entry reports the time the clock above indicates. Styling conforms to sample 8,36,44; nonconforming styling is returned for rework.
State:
3,39,55
